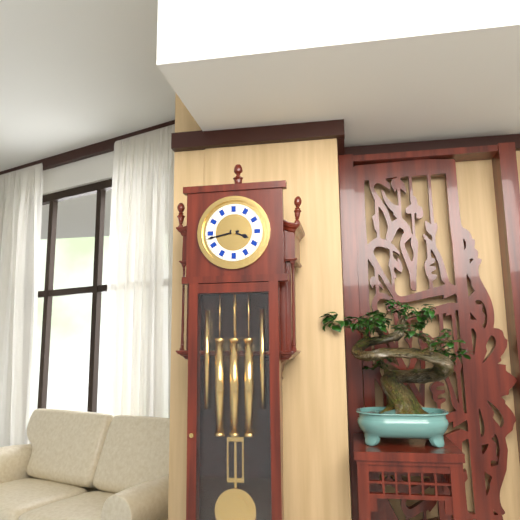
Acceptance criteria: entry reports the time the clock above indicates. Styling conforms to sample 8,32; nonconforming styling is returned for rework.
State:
3,43
